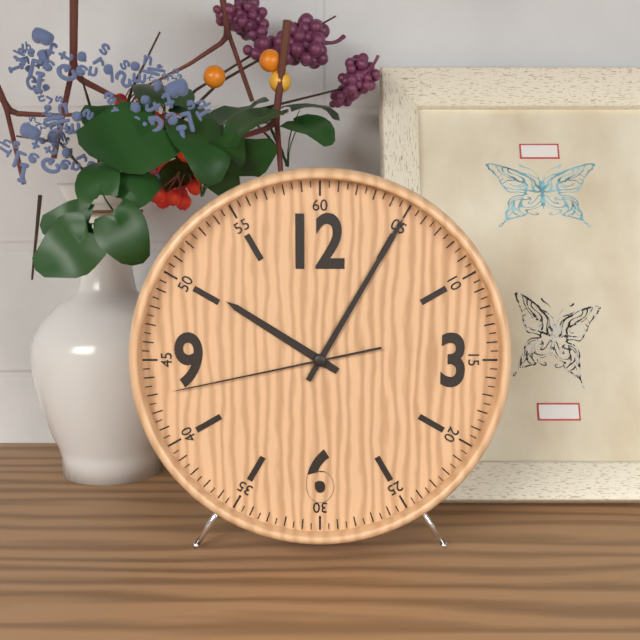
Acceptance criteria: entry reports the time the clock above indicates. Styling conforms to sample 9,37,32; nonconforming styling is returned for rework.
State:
10,05,43
